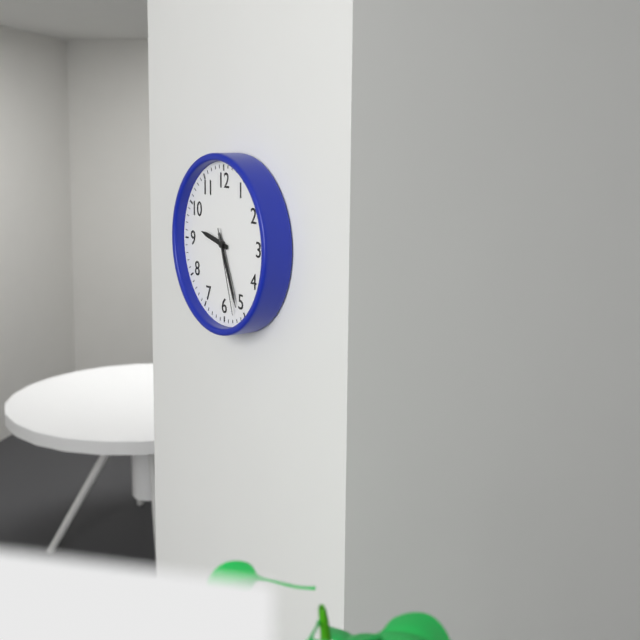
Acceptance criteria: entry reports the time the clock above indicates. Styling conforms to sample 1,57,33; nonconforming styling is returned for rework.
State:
9,26,27
